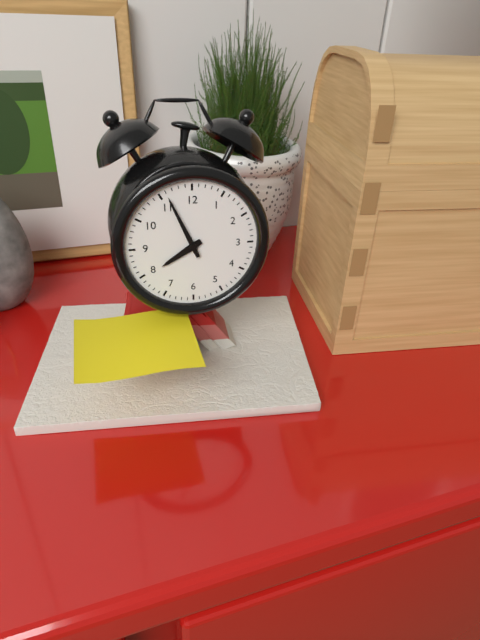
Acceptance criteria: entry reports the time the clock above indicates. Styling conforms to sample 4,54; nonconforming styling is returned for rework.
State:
7,56
